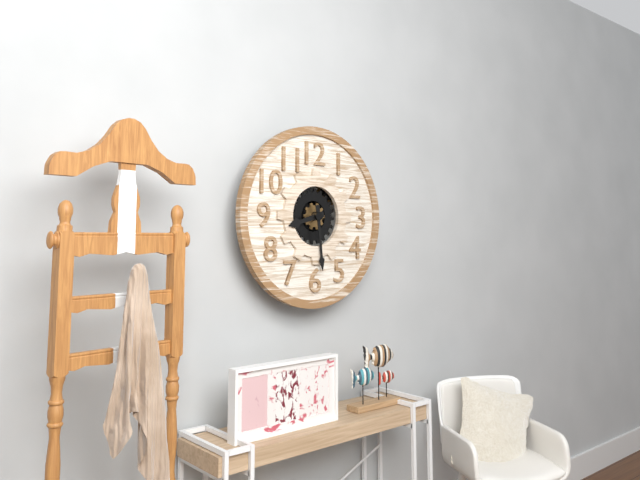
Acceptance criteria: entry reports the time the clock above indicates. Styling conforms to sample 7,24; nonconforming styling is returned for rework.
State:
8,29
